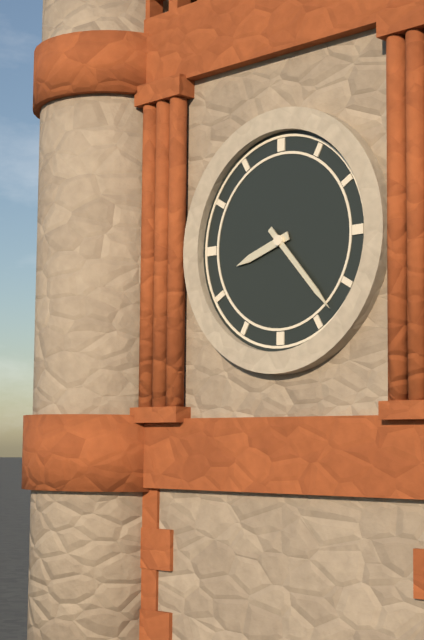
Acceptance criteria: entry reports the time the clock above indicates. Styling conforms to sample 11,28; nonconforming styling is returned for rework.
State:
8,23
